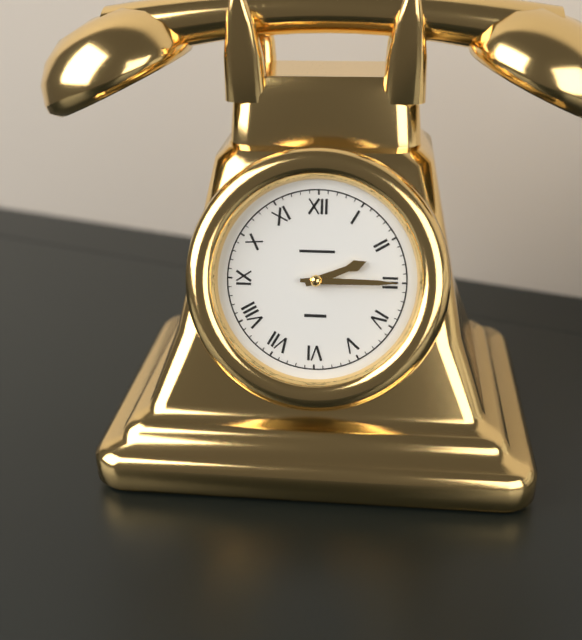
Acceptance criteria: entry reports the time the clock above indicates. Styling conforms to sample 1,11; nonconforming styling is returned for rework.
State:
2,15
